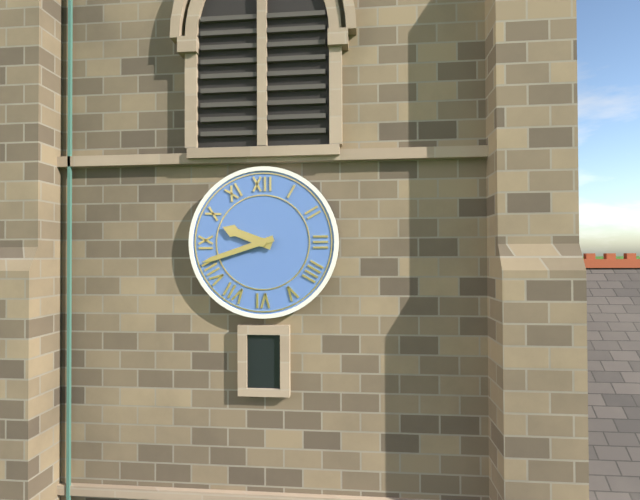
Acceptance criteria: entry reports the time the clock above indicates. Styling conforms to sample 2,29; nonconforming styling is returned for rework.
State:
9,42
